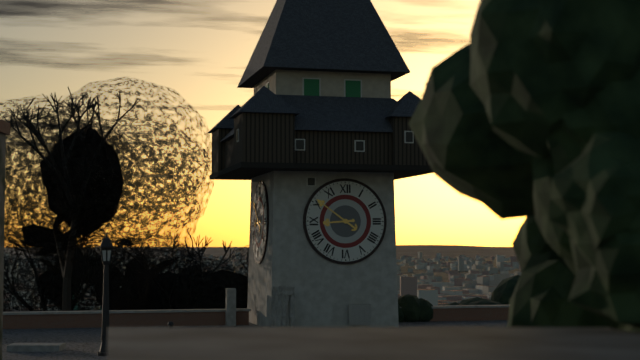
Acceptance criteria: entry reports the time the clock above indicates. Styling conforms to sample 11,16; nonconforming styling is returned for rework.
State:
8,51
